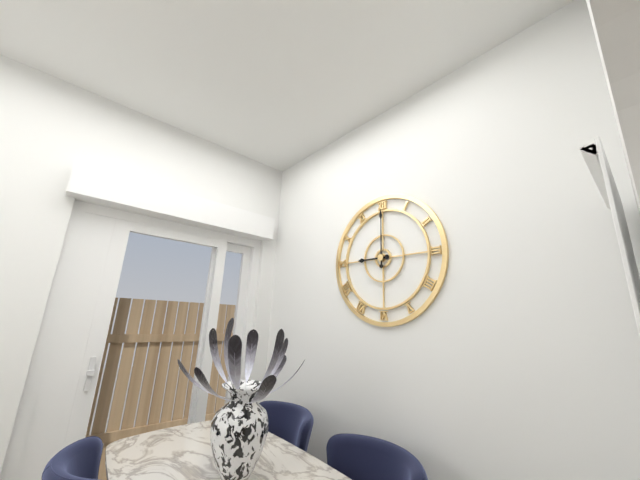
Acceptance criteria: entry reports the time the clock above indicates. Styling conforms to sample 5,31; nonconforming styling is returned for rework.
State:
9,00
